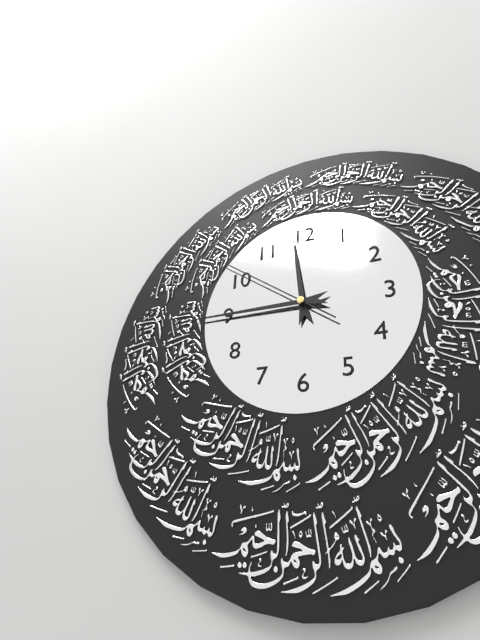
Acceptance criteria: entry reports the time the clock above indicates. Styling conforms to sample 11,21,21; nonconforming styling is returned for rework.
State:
11,45,51
